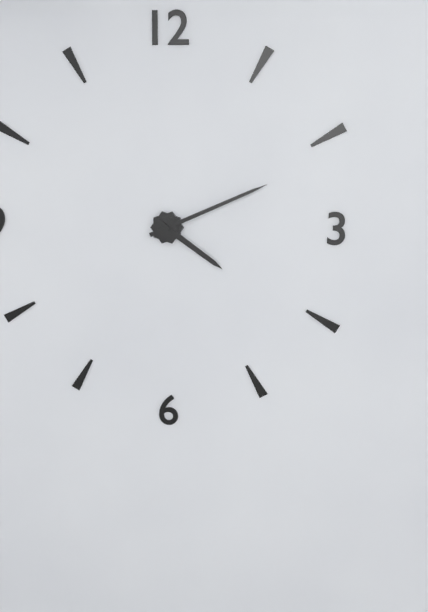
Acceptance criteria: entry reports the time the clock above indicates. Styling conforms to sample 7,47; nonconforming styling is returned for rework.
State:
4,11
